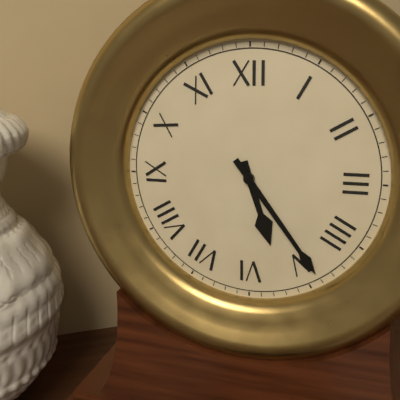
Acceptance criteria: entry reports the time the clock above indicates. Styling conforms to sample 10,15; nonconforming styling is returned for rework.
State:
5,24
